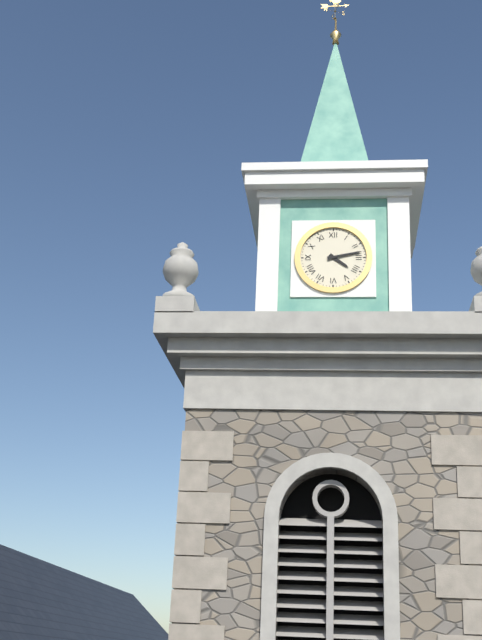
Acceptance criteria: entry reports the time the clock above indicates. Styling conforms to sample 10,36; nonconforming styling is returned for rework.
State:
4,13
